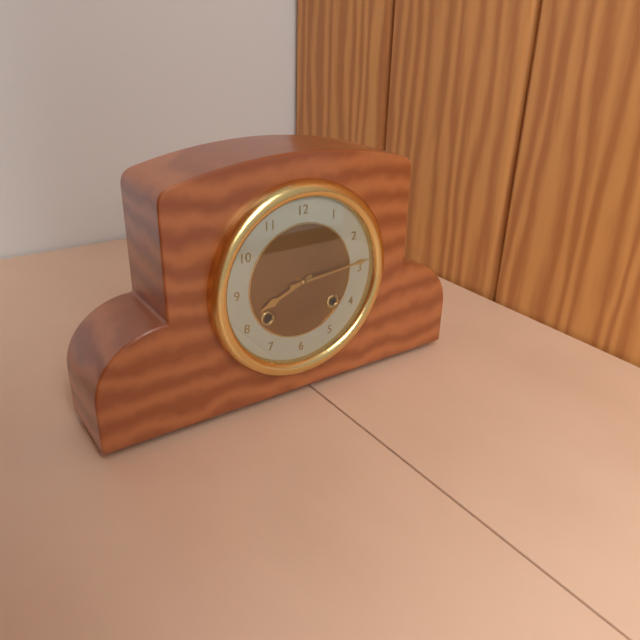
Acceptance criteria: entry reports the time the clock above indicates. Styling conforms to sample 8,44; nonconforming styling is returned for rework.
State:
8,14
